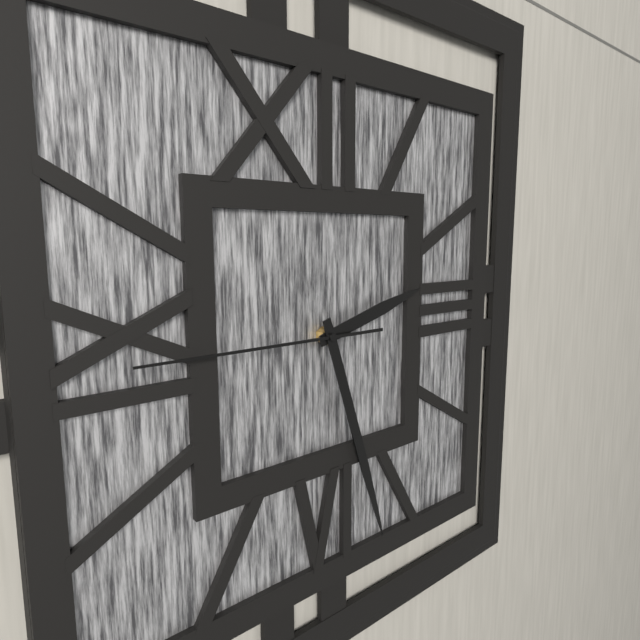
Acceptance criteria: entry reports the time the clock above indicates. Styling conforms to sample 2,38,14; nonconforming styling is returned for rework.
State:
2,27,45
